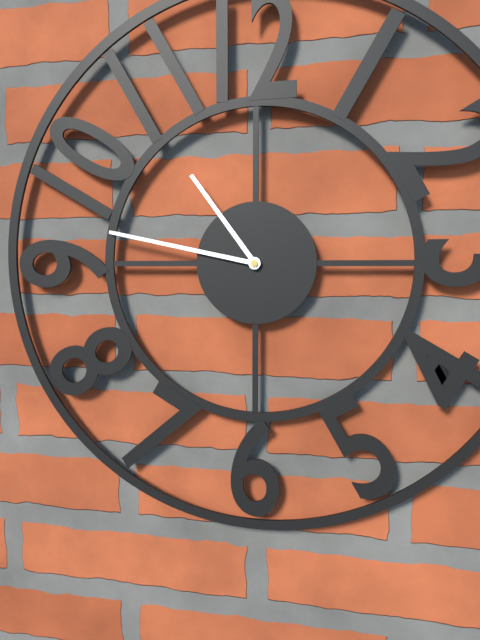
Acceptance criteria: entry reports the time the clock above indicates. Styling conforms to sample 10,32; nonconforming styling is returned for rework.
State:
10,47
